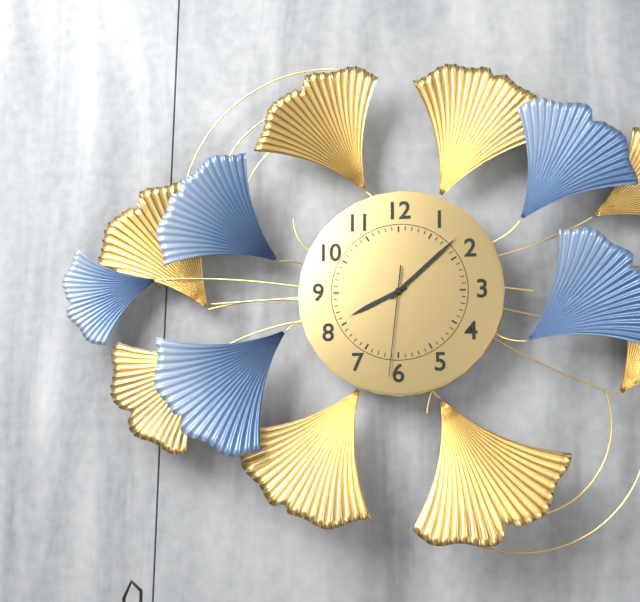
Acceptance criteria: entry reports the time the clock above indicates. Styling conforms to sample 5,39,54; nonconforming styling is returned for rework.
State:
8,08,31
